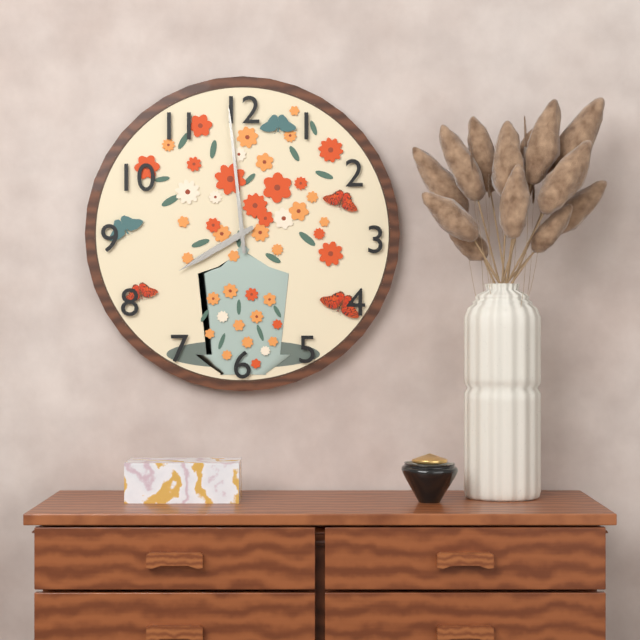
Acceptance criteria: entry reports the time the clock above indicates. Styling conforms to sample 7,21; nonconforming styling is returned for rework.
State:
7,59
